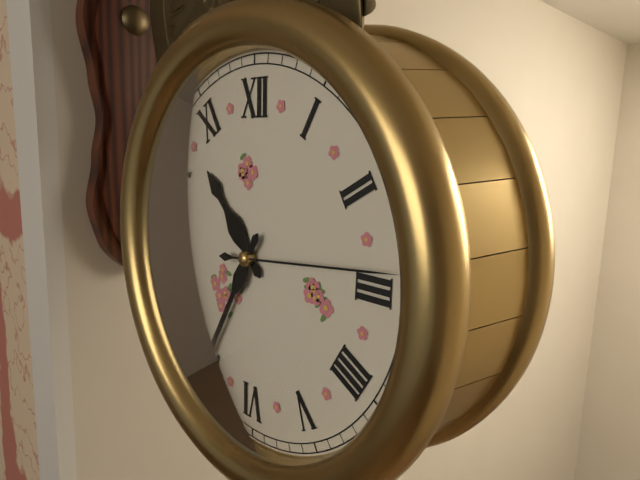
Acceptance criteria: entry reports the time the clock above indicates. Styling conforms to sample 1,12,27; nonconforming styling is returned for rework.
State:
10,35,14
